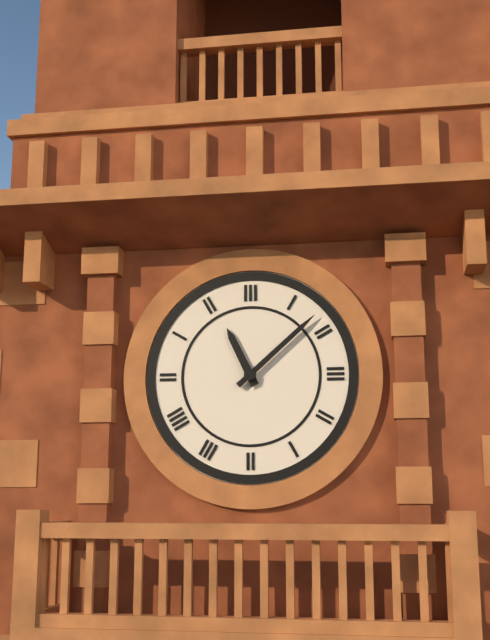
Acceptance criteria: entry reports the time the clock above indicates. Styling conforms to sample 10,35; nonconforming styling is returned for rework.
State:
11,08
